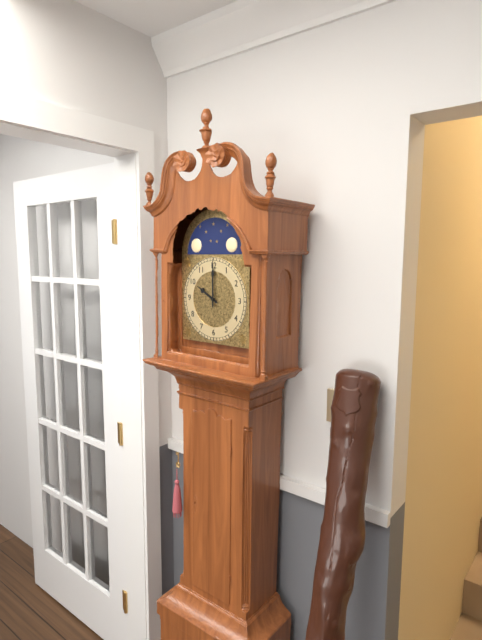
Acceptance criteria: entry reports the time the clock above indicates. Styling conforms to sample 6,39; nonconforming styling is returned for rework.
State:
10,00
